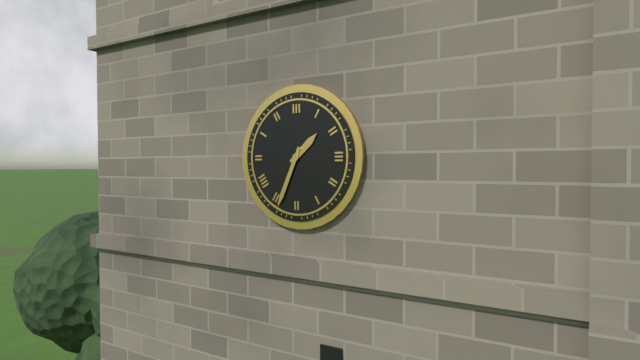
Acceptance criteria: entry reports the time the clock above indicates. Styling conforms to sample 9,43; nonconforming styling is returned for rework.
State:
1,34
